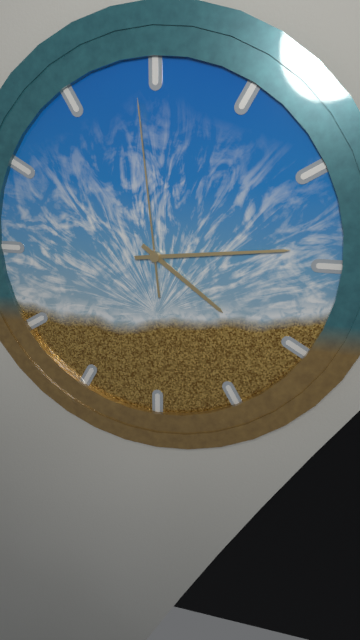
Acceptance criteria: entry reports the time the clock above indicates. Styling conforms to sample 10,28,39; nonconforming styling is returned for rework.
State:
4,14,59
